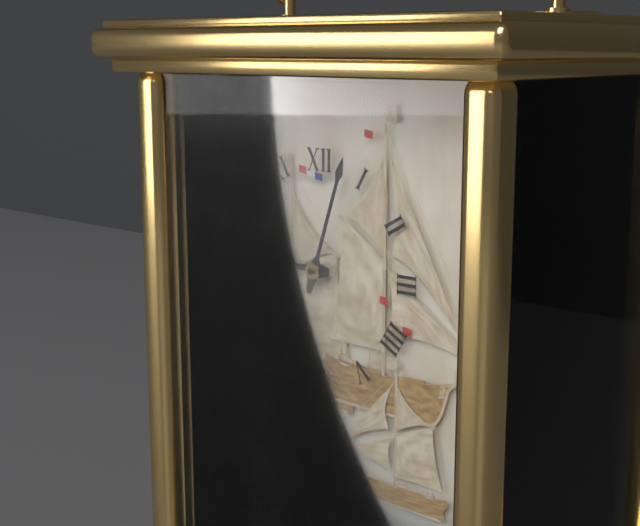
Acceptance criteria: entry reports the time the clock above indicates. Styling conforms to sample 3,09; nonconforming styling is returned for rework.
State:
9,03
